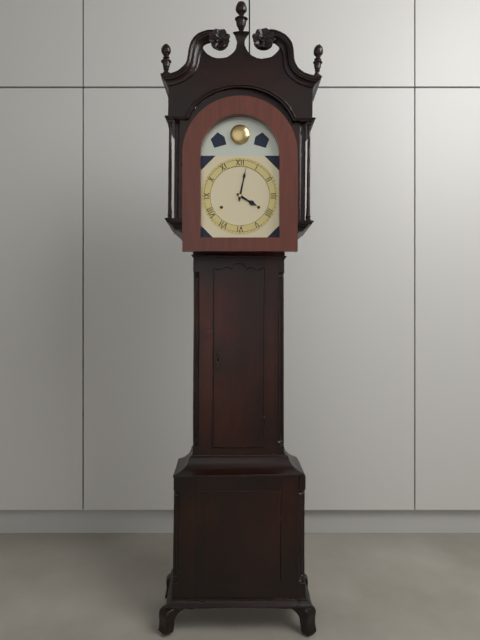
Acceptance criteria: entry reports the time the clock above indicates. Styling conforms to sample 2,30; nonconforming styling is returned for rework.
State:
4,02
